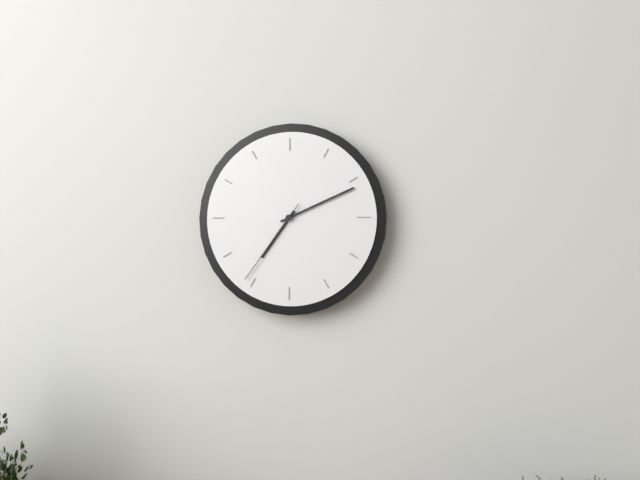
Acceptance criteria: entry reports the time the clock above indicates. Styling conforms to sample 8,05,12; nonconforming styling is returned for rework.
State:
7,11,36
